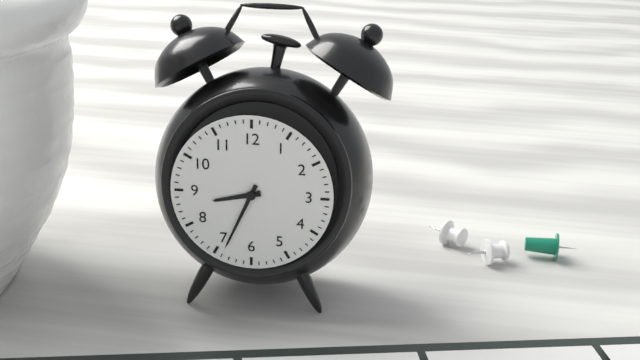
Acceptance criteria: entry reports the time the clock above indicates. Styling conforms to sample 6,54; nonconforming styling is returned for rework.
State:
8,34
